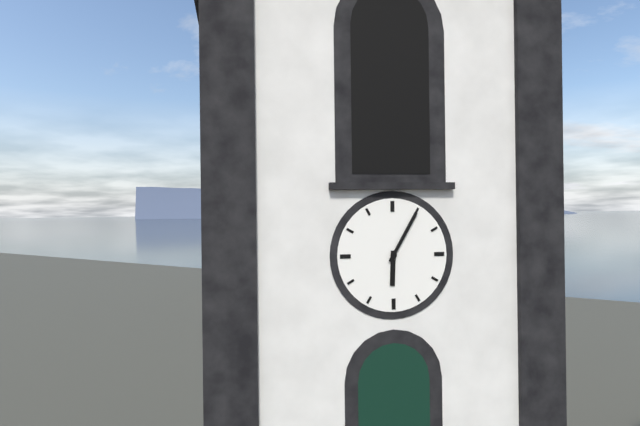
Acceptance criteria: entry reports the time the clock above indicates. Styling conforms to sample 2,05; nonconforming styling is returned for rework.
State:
6,05
